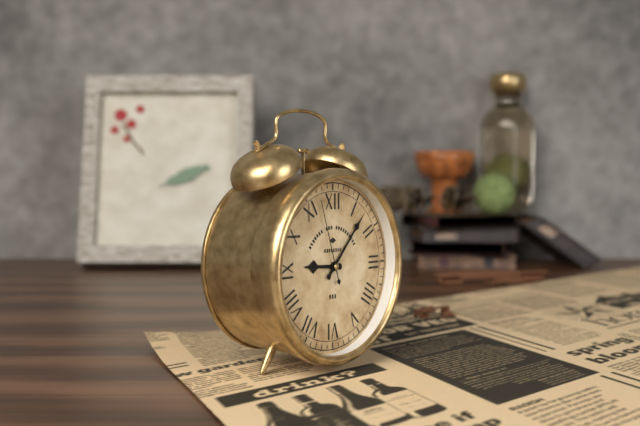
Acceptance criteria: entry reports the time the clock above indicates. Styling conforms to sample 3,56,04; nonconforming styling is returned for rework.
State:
9,07,57
